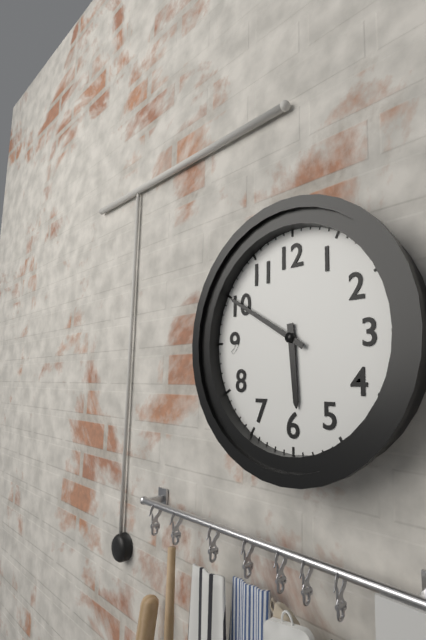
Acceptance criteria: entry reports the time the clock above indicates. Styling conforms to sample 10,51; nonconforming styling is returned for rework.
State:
5,50
